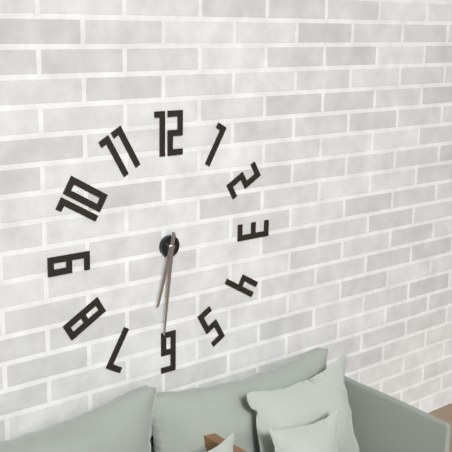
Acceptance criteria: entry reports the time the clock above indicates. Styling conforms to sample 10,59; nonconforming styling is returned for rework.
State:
6,31
